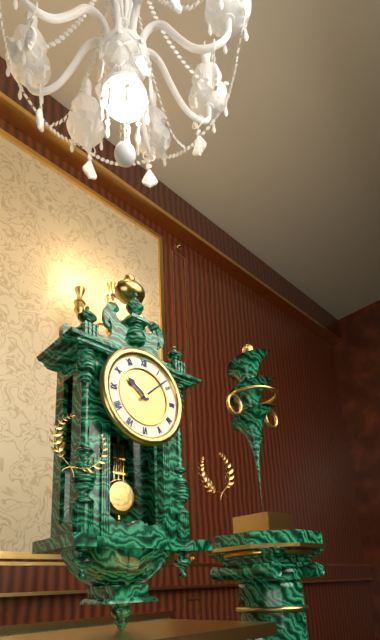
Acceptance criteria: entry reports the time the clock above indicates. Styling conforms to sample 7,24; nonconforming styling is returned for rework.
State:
10,08
